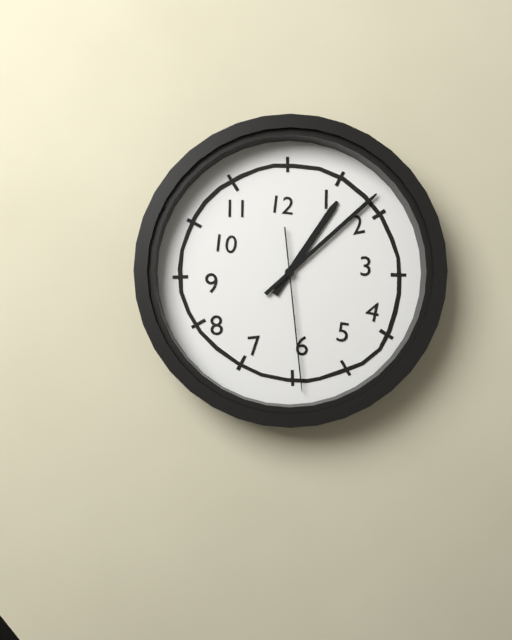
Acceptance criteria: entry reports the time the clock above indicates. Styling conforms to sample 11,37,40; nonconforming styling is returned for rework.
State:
1,08,29
